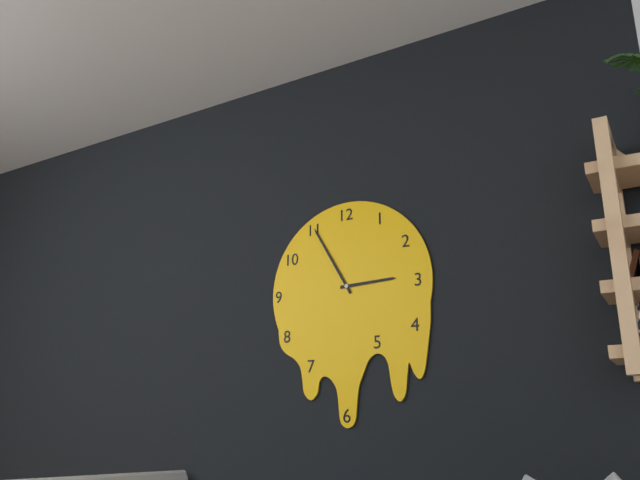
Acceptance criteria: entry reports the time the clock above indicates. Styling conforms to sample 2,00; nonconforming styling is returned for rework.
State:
2,55
